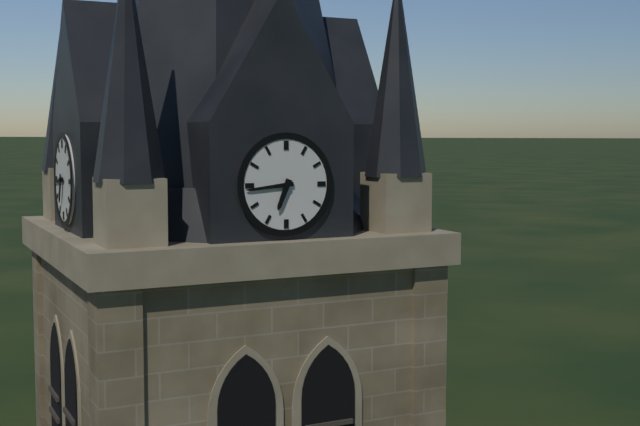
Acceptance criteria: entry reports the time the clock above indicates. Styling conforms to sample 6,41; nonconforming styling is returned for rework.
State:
6,44
